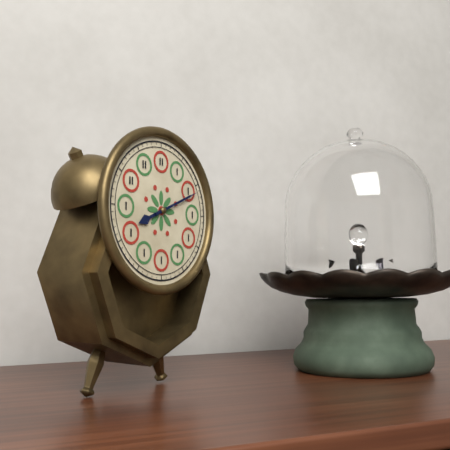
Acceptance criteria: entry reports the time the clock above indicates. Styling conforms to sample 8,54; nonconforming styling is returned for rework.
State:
8,11
